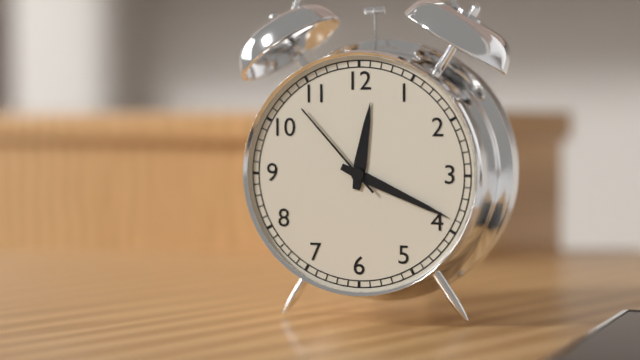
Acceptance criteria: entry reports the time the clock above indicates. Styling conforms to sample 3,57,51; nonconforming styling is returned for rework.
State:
12,19,53
